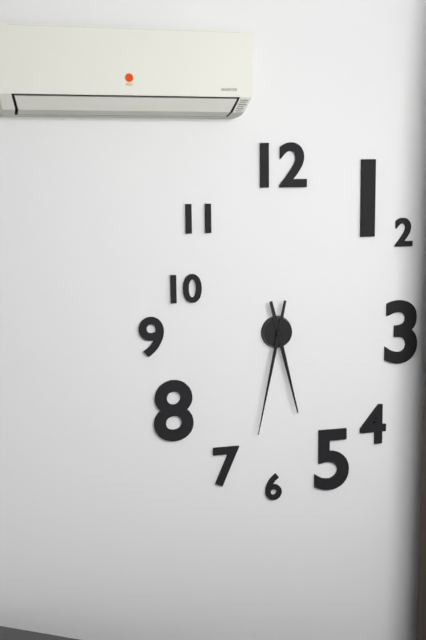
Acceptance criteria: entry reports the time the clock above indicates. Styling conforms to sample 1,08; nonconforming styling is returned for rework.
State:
5,32
